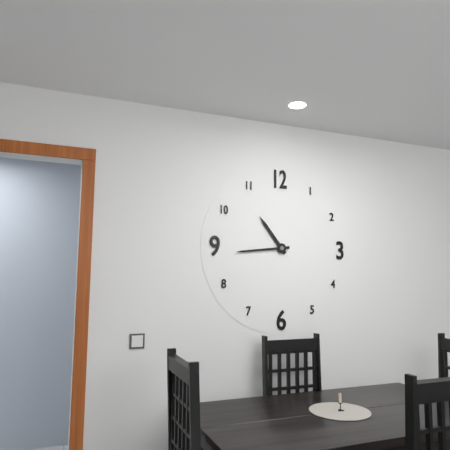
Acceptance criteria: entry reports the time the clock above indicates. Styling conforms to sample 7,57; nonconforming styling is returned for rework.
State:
10,44
